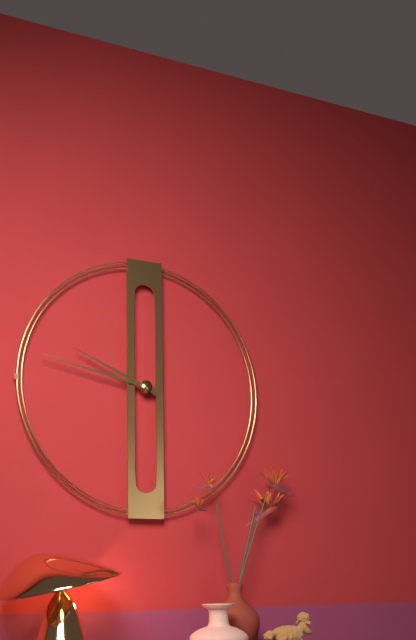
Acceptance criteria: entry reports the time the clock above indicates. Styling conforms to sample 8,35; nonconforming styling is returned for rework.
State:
9,47
